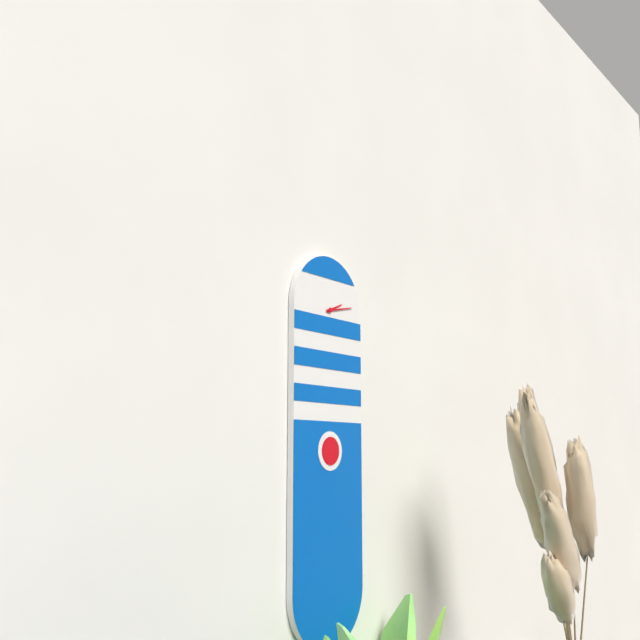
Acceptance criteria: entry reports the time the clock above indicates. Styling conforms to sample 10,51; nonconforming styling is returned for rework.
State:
2,13
